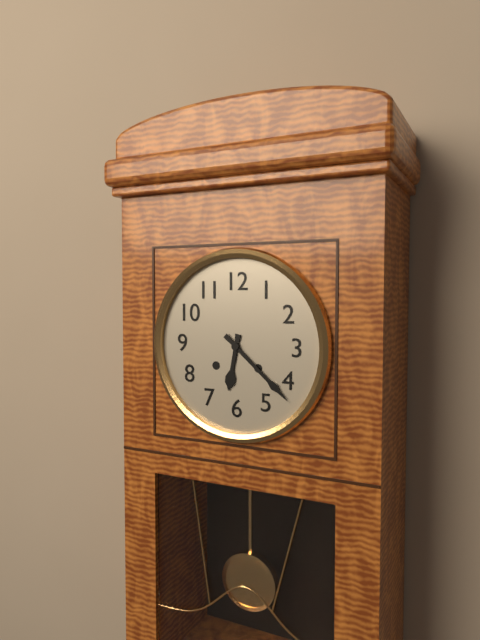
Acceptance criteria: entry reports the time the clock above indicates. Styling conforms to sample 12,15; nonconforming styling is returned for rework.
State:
6,22
